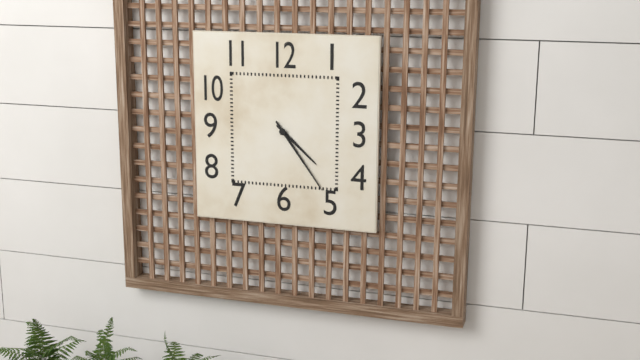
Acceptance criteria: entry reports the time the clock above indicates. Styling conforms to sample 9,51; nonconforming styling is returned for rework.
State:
4,24
